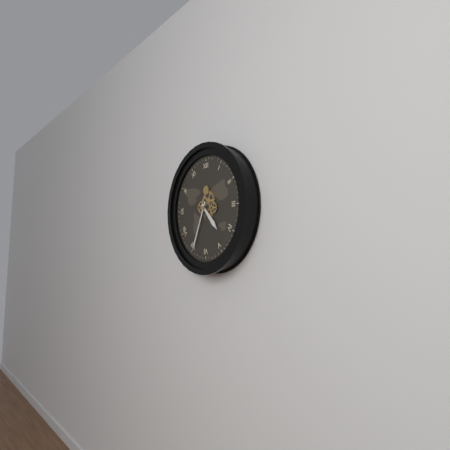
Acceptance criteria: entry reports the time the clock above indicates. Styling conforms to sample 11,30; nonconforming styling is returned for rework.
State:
4,34
